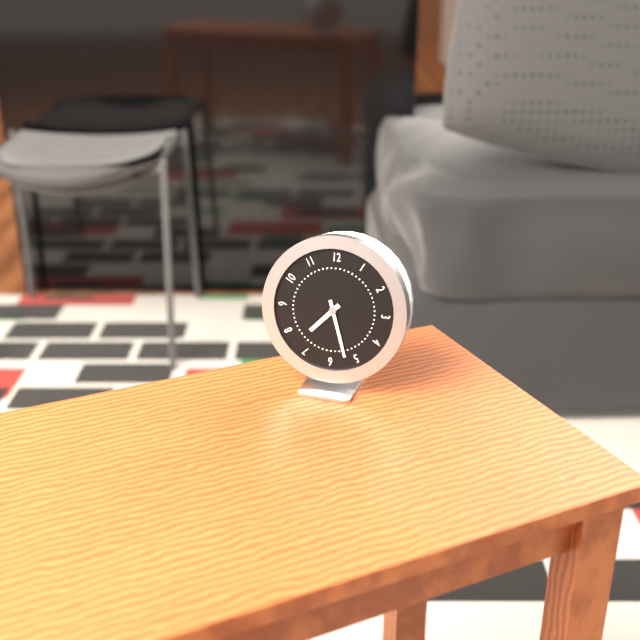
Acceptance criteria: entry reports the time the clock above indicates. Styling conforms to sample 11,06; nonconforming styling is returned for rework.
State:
7,27
